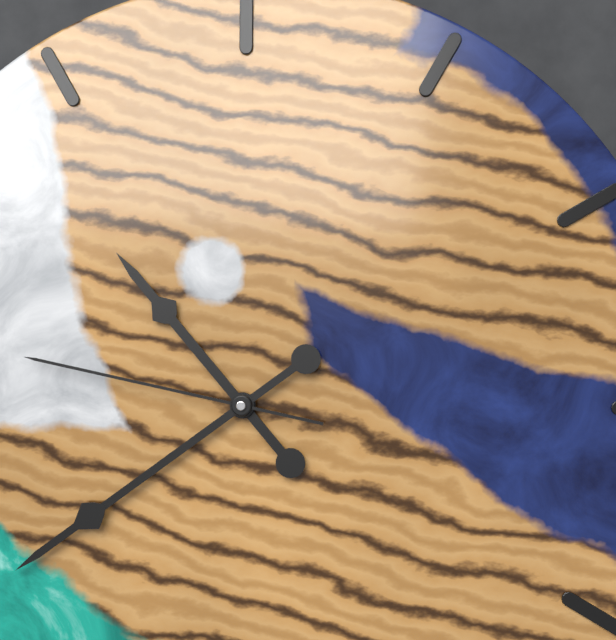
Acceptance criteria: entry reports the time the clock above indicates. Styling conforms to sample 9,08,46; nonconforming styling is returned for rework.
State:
10,39,47
